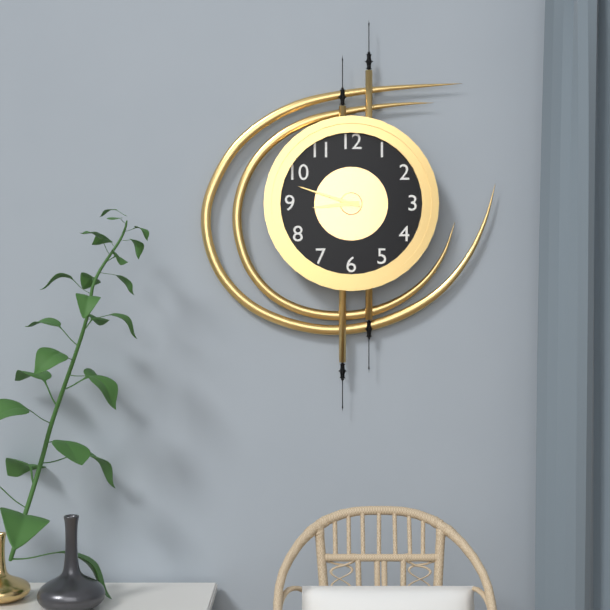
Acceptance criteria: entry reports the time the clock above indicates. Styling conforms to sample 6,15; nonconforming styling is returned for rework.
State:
8,48
